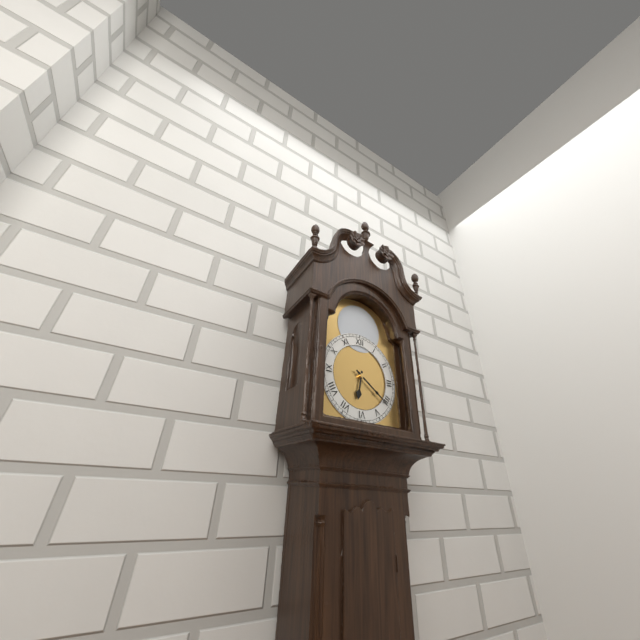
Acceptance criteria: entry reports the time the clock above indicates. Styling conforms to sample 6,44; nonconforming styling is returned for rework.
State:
6,21
